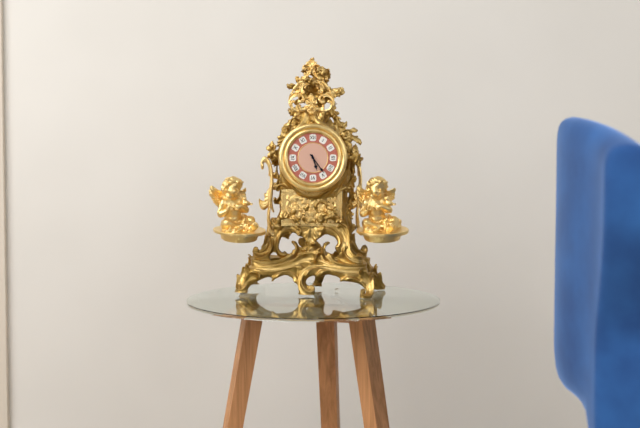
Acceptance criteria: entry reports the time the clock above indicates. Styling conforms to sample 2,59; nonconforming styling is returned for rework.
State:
5,24
